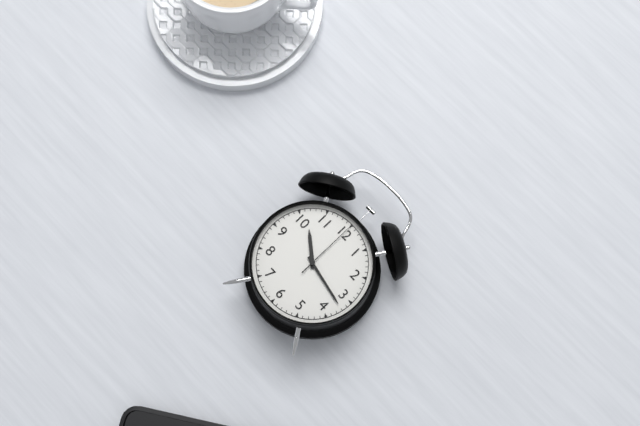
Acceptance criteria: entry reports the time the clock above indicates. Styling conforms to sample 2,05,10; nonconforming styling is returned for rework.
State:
10,17,00
